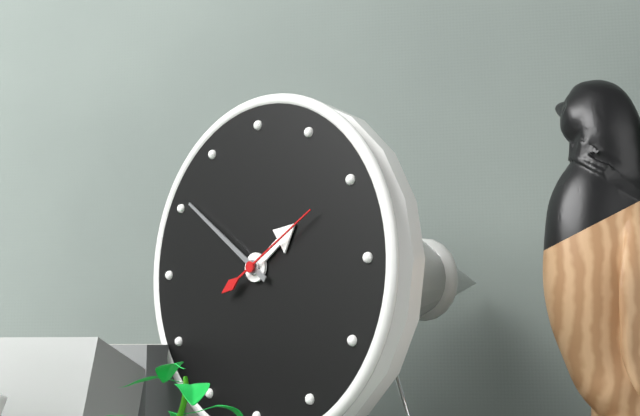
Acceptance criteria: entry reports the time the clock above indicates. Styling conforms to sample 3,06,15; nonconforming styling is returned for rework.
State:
1,51,10
